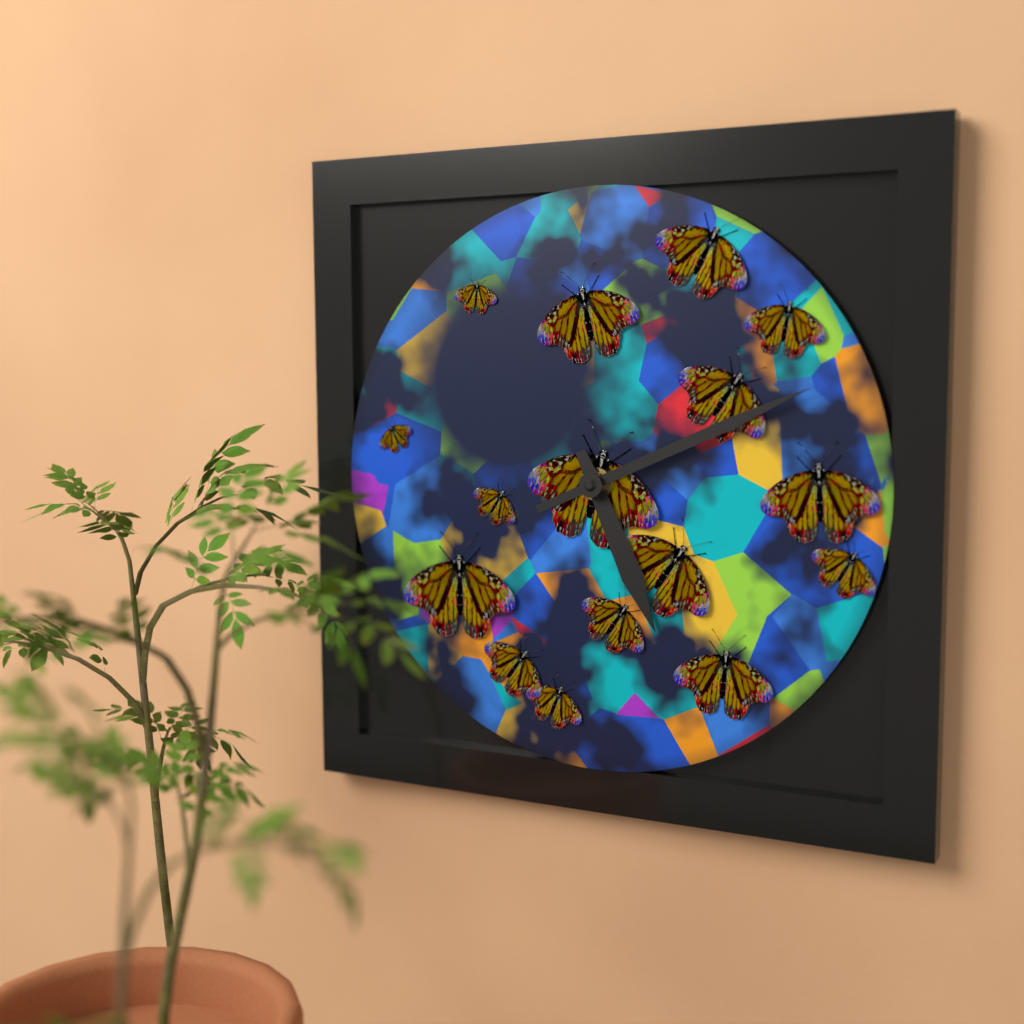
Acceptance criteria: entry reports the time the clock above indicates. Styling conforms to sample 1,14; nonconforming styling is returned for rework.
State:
5,11
